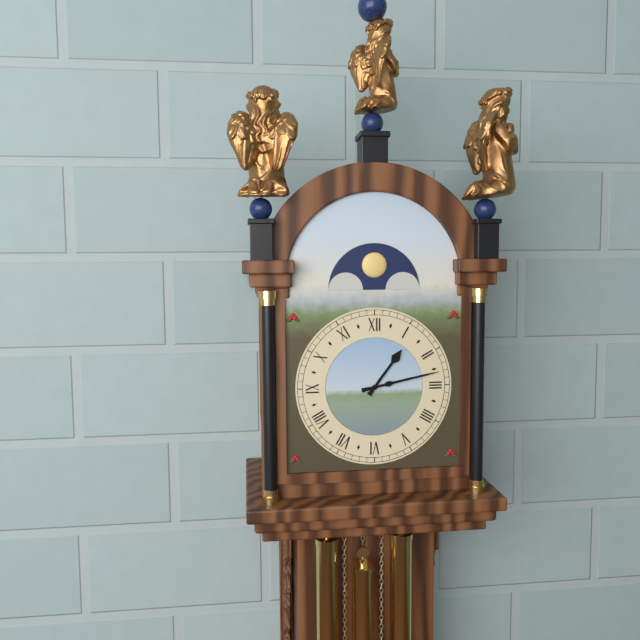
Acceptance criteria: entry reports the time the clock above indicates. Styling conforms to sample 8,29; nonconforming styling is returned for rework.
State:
1,13
